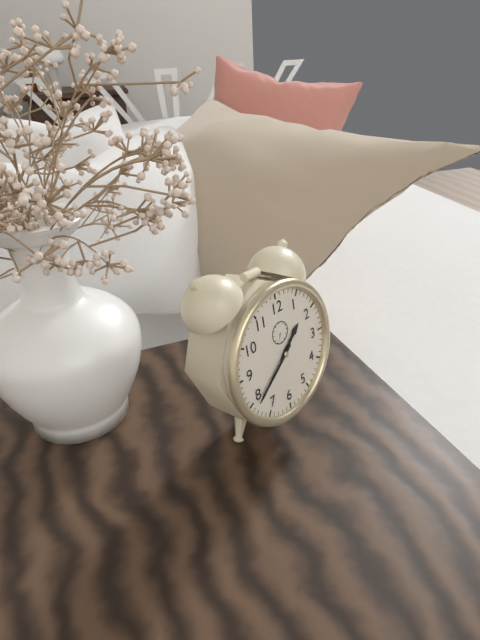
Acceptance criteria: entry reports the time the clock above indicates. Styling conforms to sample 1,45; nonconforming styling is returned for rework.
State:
1,39
